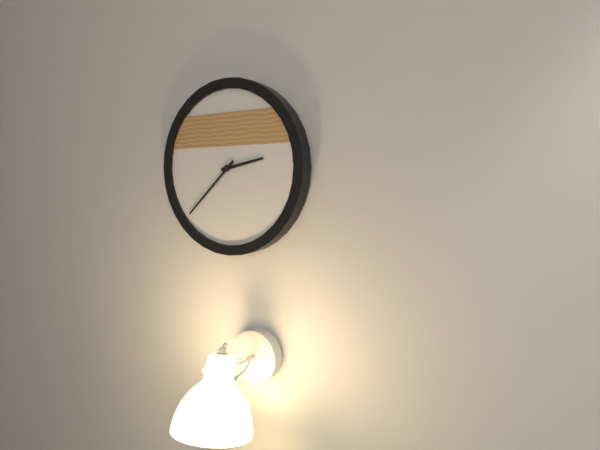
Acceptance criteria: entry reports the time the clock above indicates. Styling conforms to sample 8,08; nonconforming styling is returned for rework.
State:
2,38
